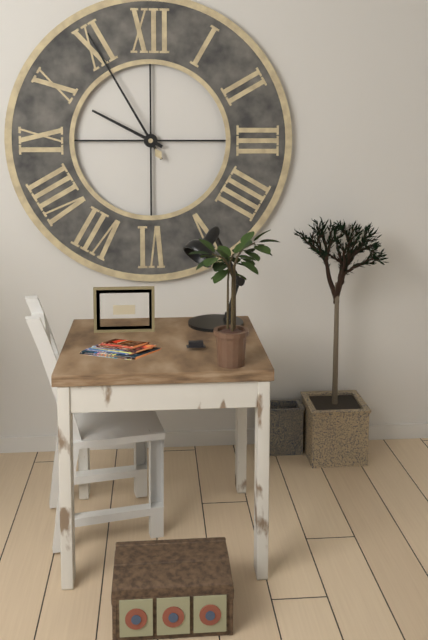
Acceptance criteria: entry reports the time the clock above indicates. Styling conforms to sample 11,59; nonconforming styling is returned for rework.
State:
9,55
